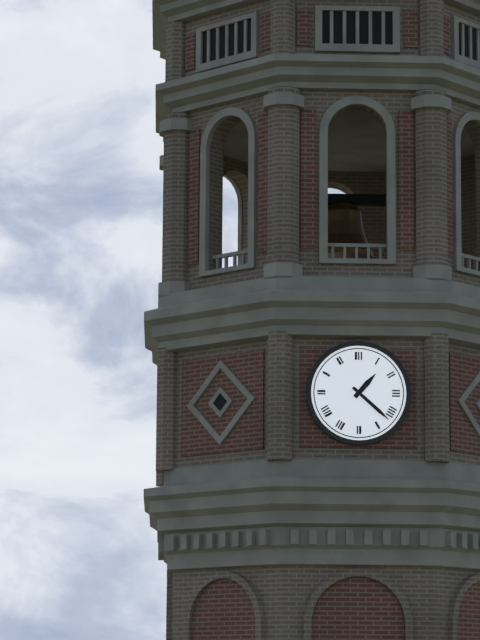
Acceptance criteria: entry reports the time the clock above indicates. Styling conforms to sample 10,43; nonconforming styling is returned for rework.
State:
1,22
